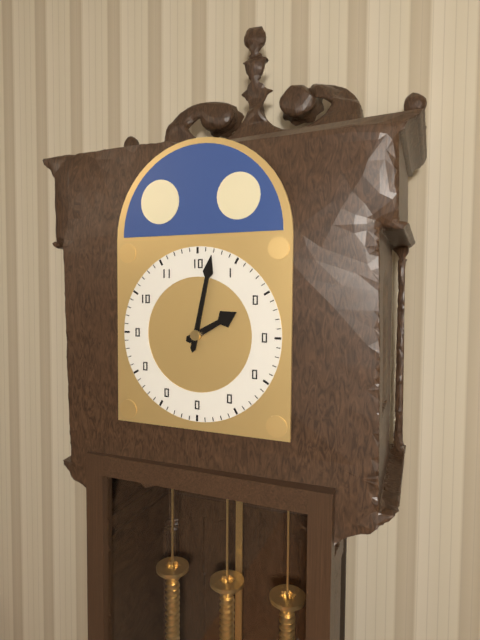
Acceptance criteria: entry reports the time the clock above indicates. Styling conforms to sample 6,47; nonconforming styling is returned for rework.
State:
2,02
